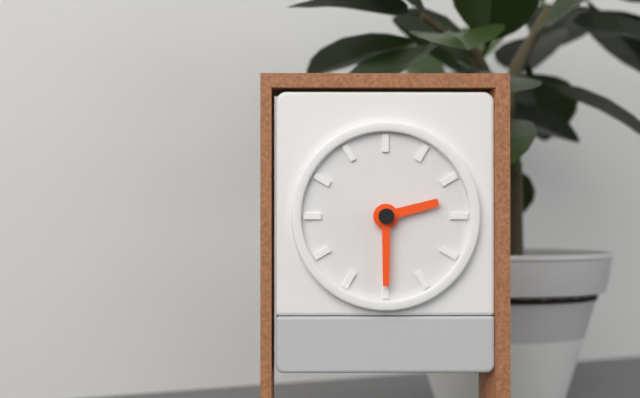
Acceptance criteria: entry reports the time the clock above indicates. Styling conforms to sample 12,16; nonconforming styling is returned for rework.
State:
2,30
